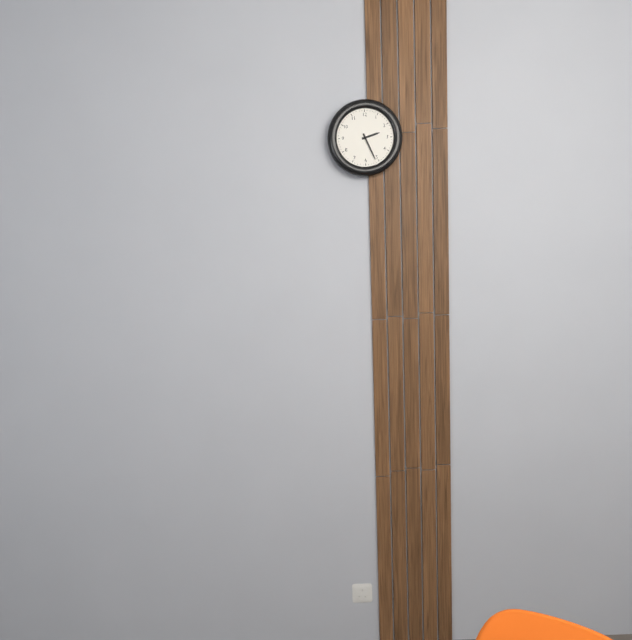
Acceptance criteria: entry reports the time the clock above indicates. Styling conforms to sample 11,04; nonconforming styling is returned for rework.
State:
2,26
